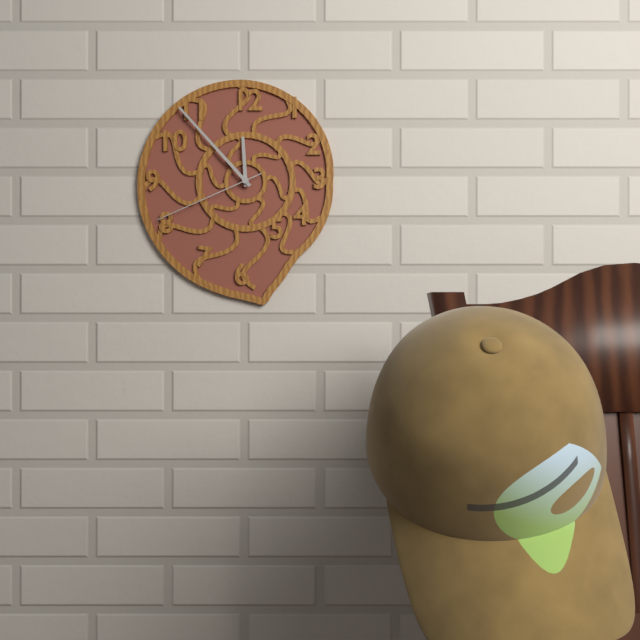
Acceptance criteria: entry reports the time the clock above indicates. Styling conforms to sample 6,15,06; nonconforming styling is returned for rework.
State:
11,53,41
